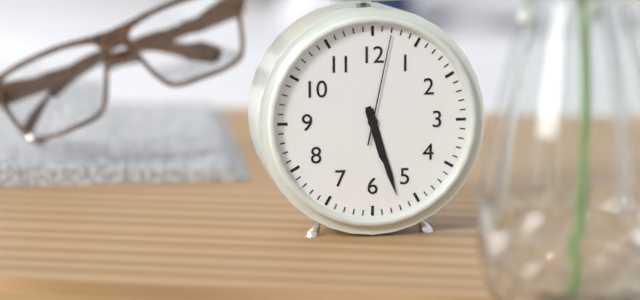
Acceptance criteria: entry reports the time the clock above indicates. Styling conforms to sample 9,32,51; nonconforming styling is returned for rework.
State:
5,27,02
